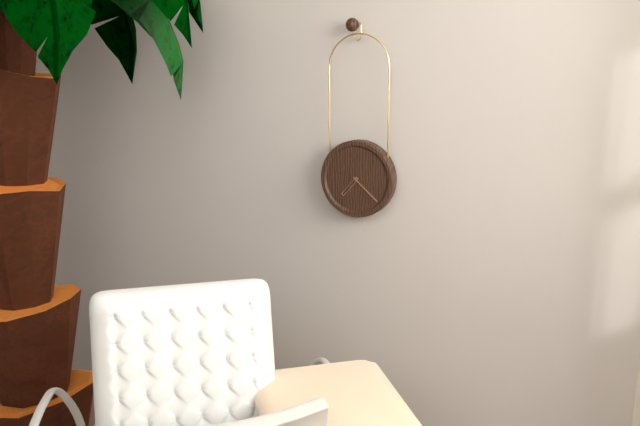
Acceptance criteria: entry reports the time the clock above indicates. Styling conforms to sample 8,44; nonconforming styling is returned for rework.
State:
7,22
